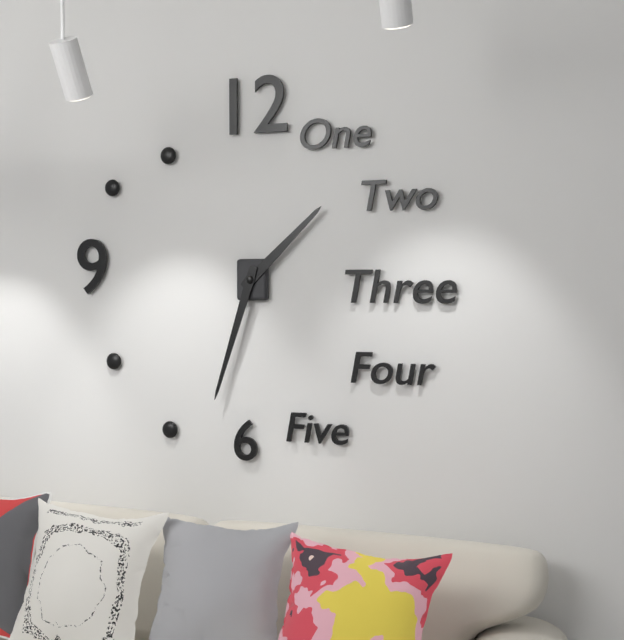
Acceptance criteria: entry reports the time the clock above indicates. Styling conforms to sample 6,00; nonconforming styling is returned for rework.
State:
1,33
